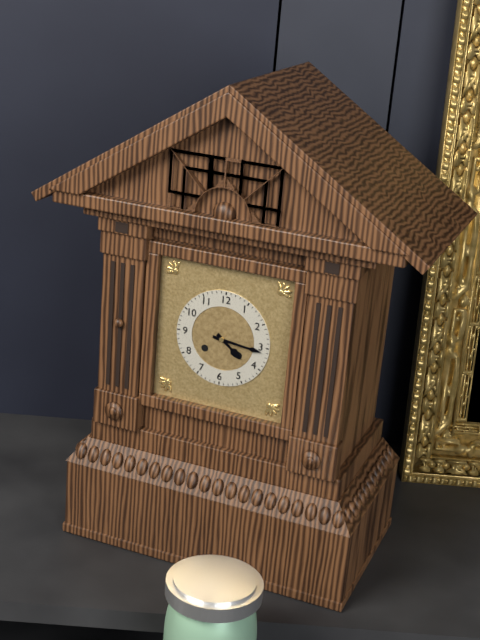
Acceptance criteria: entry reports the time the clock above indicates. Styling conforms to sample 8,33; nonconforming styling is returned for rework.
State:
4,16
